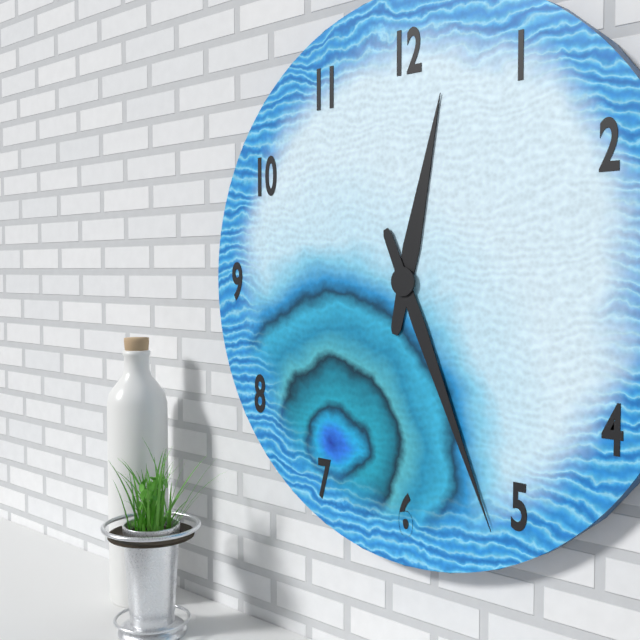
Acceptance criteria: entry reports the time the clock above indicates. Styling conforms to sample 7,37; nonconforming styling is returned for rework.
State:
12,26
